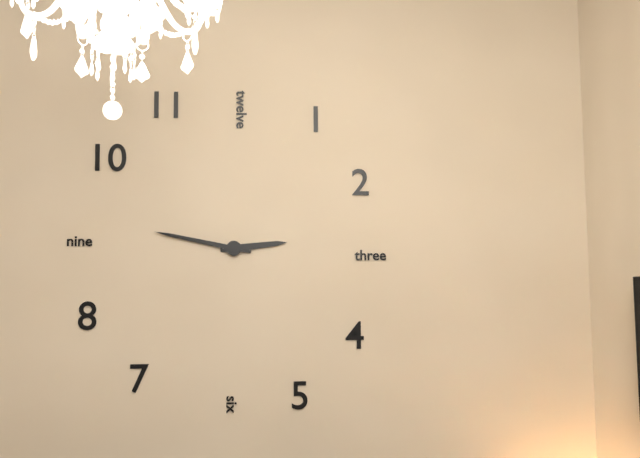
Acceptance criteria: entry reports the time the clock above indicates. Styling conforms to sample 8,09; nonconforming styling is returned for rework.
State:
2,47
